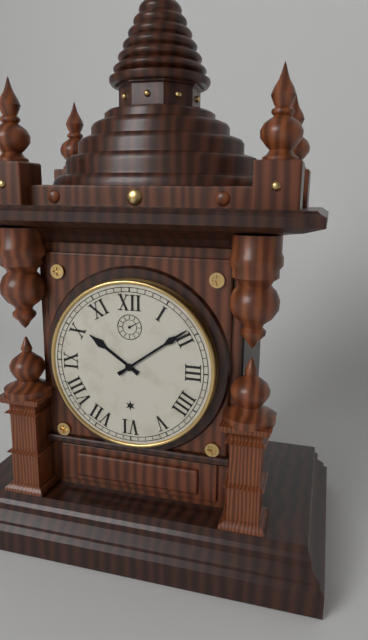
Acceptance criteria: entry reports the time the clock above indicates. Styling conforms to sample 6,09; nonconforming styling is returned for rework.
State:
10,09
